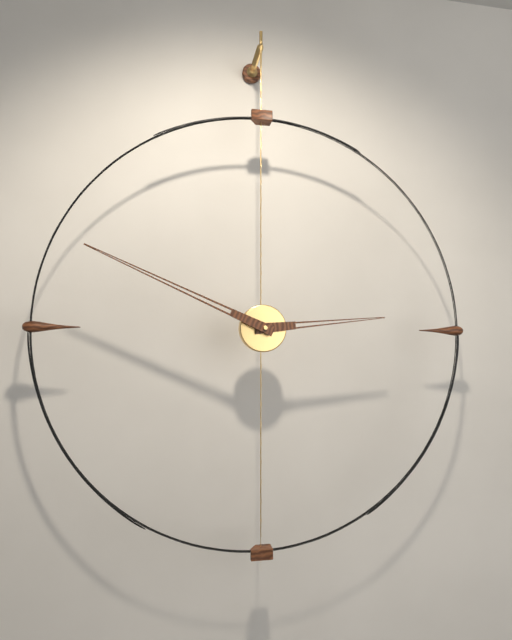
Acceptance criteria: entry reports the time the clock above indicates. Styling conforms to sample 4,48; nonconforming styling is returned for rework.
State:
2,49
